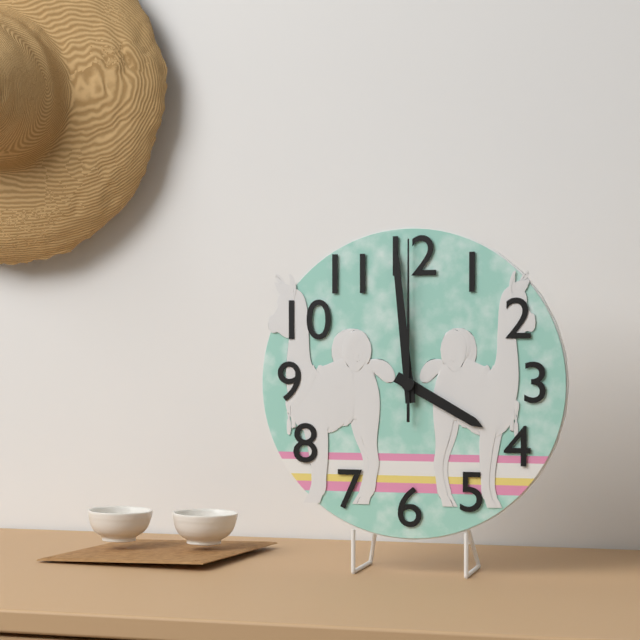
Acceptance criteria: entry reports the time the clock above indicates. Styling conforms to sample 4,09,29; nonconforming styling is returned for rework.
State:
3,59,00
